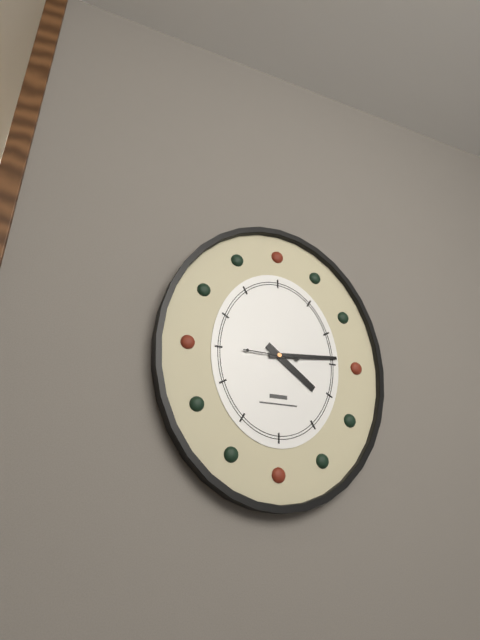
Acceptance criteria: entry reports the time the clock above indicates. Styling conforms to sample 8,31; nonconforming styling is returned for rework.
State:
4,14
